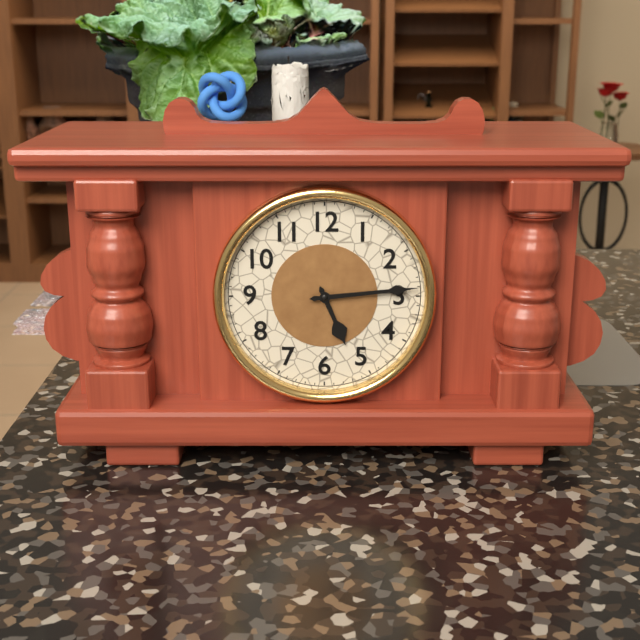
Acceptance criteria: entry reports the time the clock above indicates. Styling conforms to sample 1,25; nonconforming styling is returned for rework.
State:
5,14
